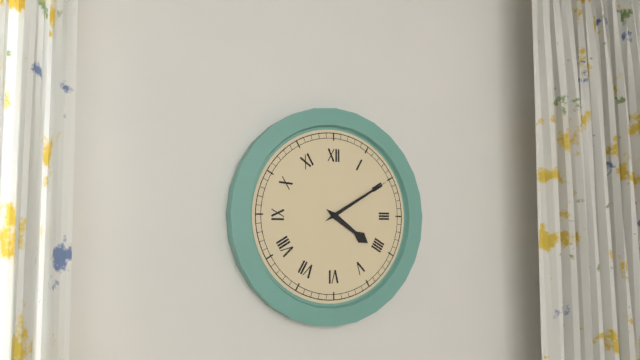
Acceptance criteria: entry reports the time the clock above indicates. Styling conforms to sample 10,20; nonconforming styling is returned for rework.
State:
4,10
